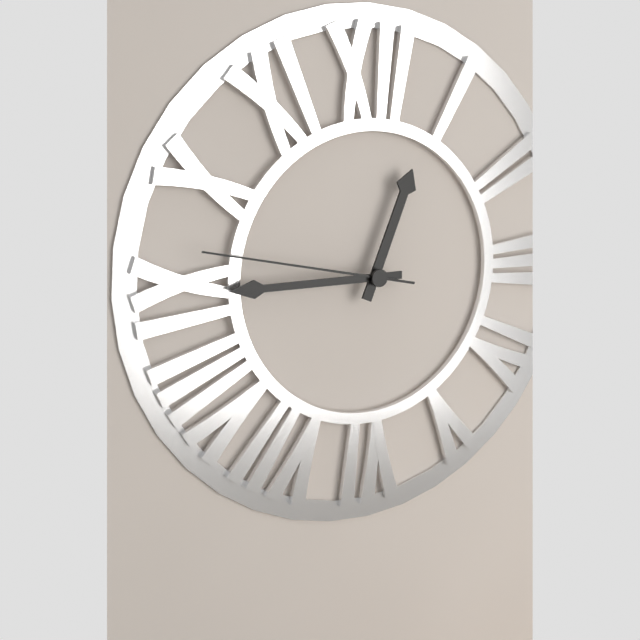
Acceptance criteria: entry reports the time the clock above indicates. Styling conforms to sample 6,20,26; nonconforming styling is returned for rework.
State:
12,45,47
